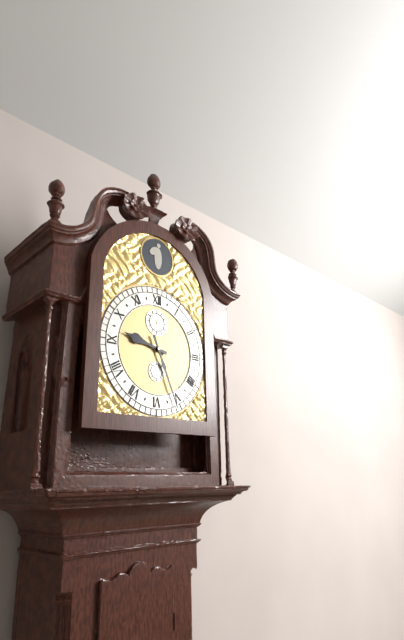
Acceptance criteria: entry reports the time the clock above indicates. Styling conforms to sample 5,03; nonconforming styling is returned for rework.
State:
9,26
